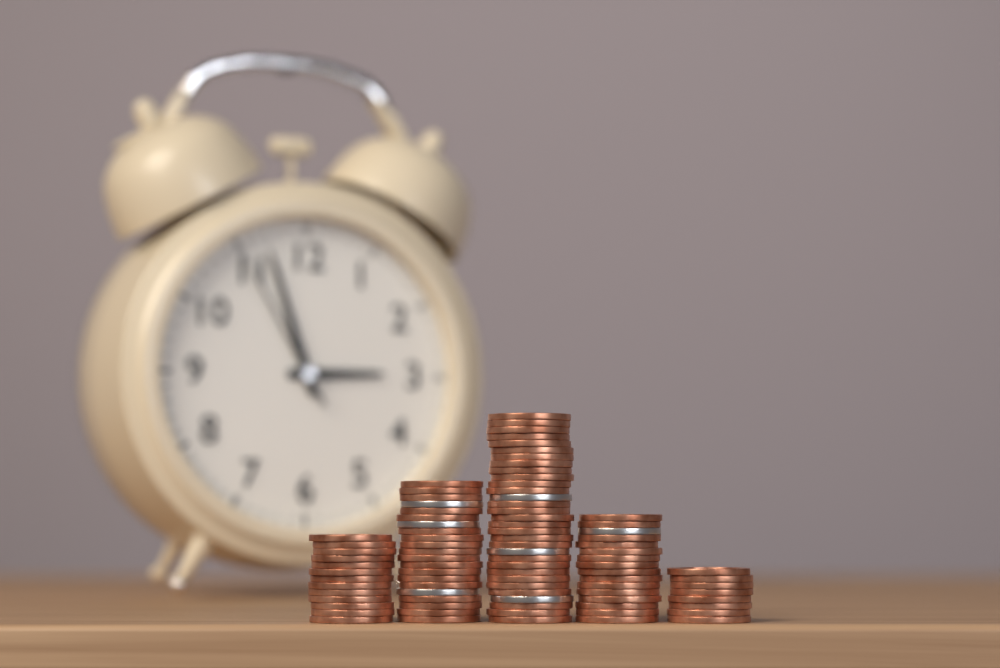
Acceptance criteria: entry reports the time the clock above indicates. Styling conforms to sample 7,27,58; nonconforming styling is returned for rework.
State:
2,57,55
